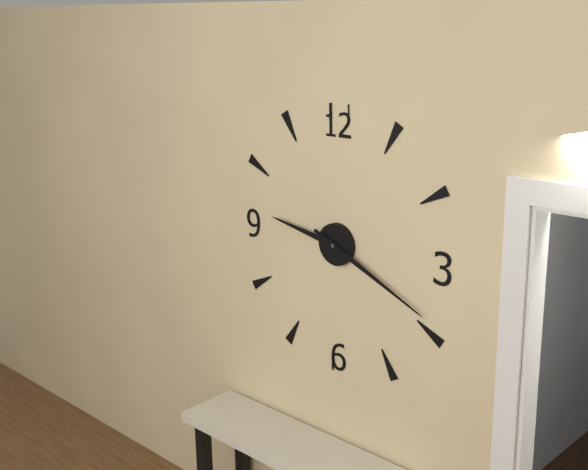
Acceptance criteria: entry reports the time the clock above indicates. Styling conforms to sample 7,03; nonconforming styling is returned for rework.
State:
9,19
